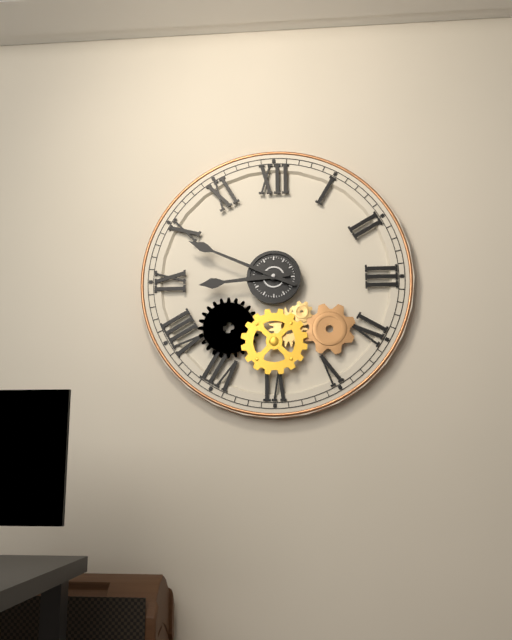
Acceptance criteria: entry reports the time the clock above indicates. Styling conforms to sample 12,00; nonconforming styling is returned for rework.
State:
8,49
